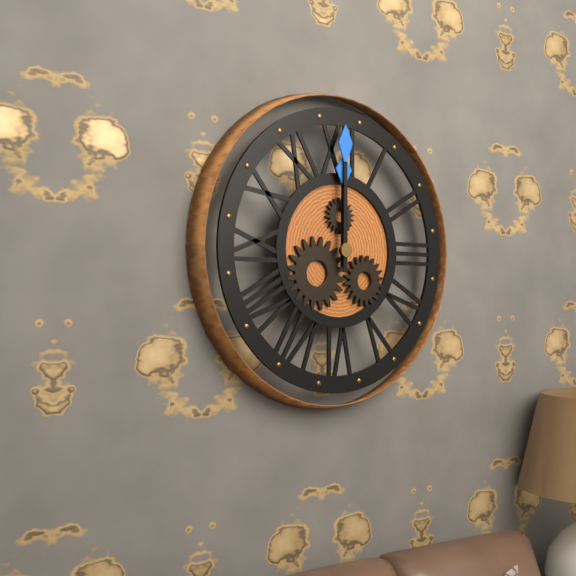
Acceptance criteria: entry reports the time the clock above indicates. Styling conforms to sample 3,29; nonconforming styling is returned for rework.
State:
12,00
